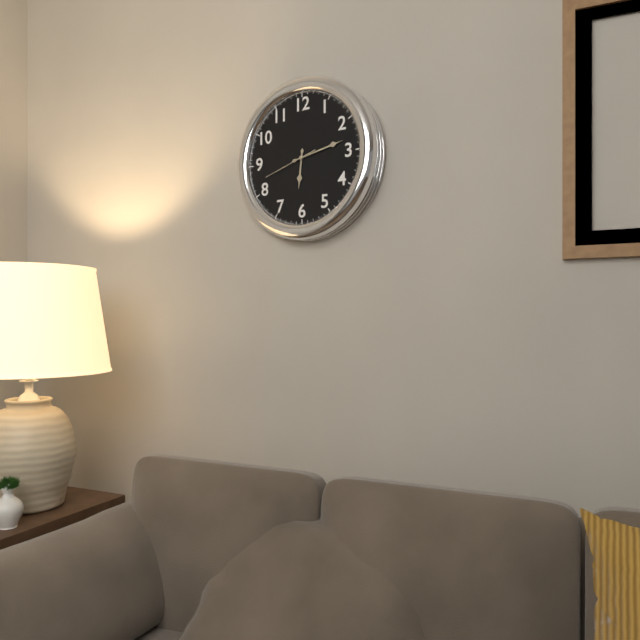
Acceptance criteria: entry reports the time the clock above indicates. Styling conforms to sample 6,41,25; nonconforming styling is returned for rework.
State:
6,13,42
